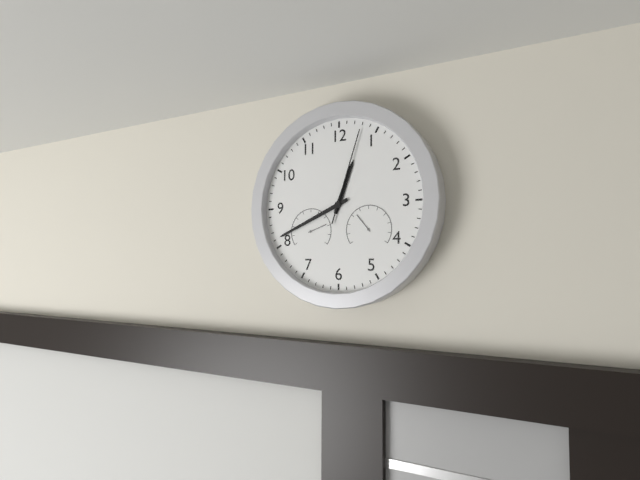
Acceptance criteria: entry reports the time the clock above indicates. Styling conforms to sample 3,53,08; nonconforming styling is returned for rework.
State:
12,41,03
